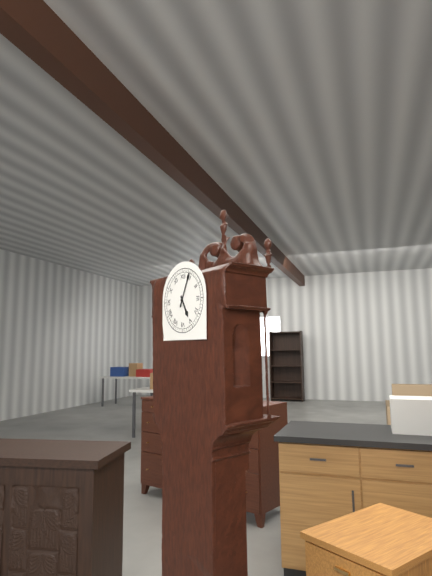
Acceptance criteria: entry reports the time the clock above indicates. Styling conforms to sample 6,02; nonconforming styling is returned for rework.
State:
5,04
